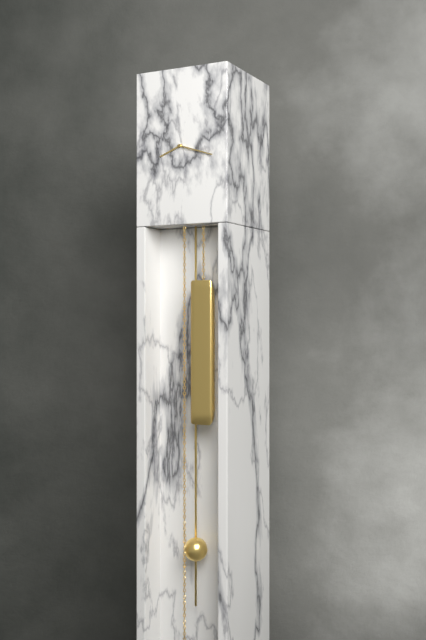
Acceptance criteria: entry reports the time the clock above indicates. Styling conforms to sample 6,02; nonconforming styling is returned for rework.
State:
8,18
